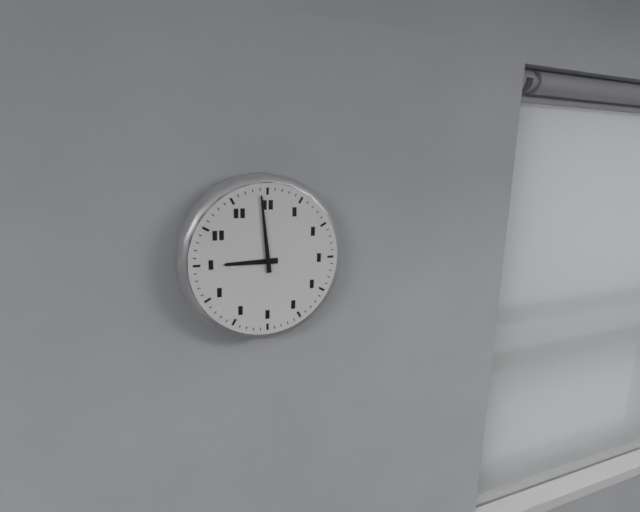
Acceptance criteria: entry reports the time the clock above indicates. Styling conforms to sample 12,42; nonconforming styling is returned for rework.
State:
8,59
